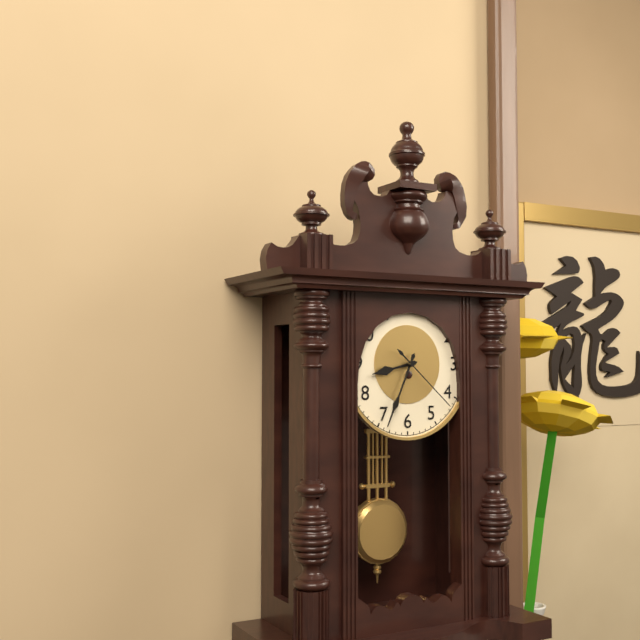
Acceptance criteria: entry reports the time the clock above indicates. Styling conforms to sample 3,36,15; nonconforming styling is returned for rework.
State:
8,34,22
